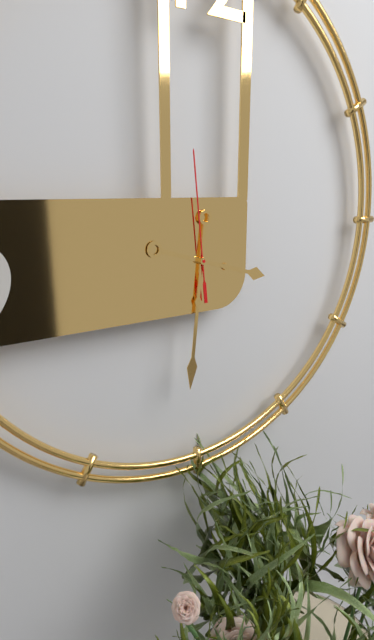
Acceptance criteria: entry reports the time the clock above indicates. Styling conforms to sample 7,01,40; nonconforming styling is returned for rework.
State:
3,31,59
